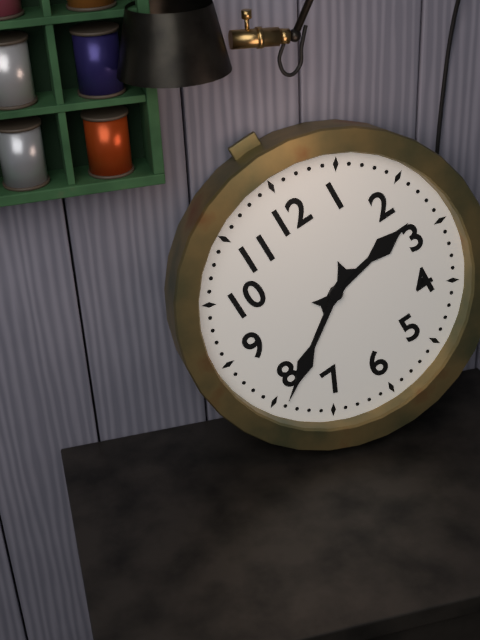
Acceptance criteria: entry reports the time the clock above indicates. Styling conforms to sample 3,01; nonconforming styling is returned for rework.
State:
2,39
